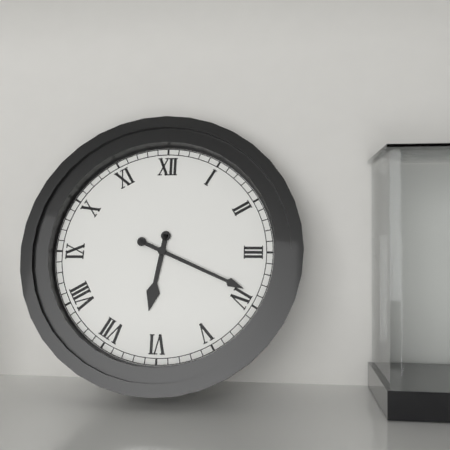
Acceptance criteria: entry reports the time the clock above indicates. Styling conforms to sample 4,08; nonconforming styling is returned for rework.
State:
6,19
